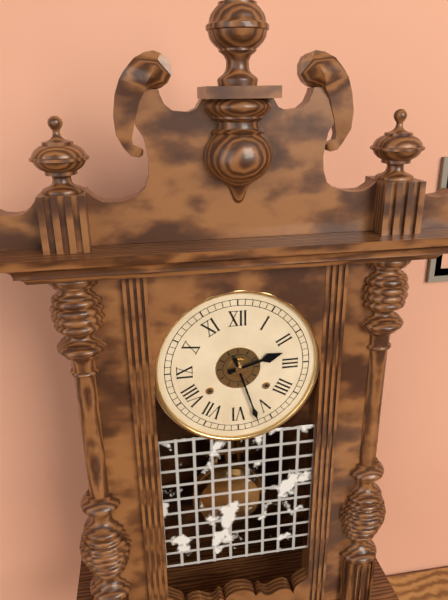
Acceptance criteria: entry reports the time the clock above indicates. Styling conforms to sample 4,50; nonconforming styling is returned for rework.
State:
2,27
